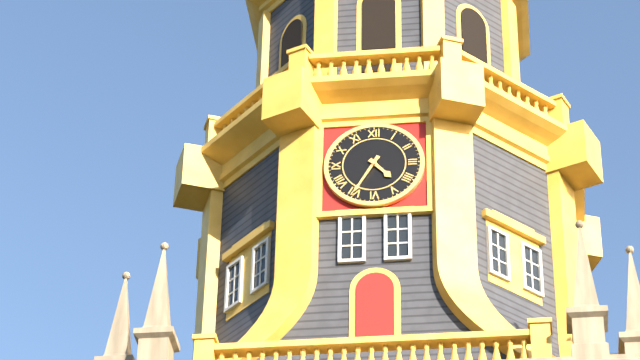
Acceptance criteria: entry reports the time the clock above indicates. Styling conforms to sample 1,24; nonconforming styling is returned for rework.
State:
4,35
